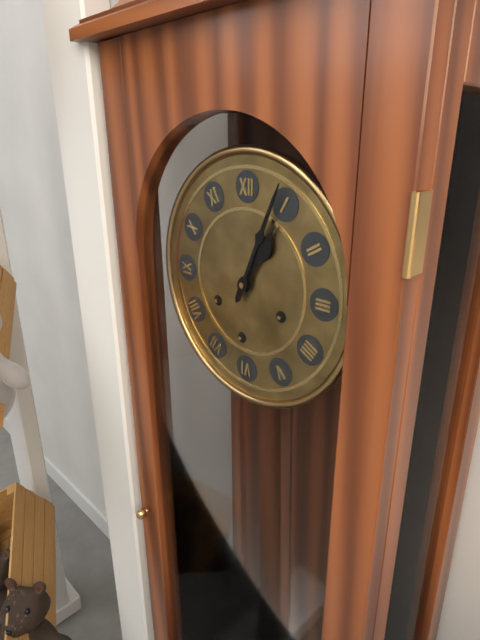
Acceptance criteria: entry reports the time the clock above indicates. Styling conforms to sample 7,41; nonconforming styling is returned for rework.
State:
1,04
